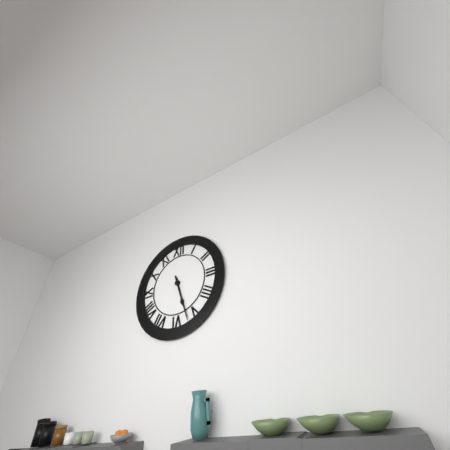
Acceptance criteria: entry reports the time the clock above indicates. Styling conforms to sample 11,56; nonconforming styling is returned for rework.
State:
5,27
